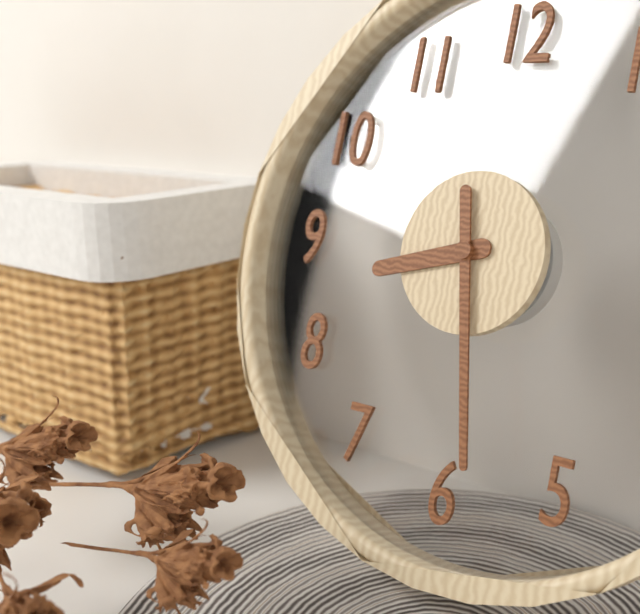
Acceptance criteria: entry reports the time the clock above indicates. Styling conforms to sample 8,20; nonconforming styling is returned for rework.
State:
8,28
